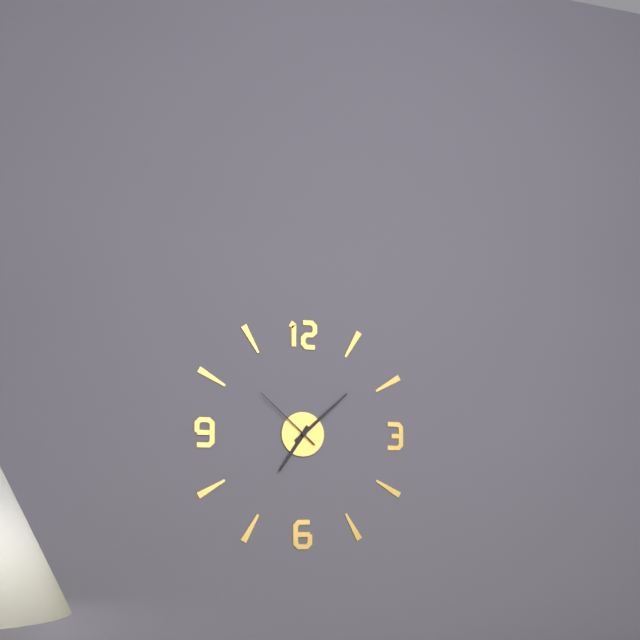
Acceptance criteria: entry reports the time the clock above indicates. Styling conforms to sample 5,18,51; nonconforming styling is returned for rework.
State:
7,08,52
